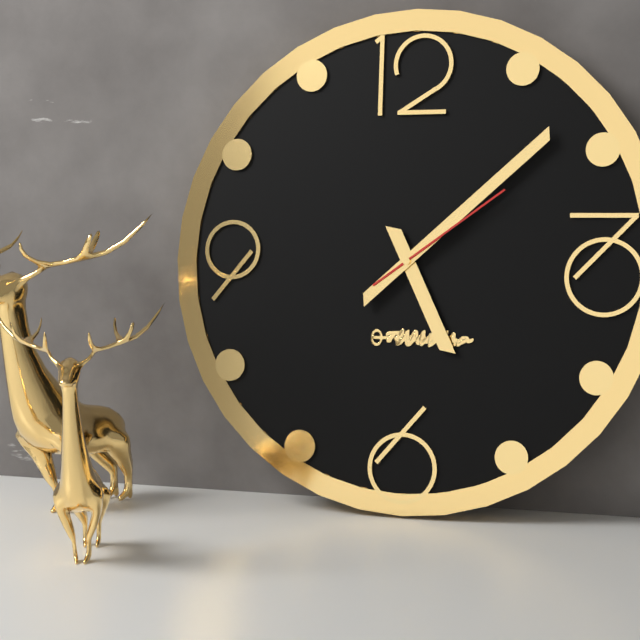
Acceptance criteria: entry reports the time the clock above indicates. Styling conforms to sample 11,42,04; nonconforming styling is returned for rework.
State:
5,08,09
